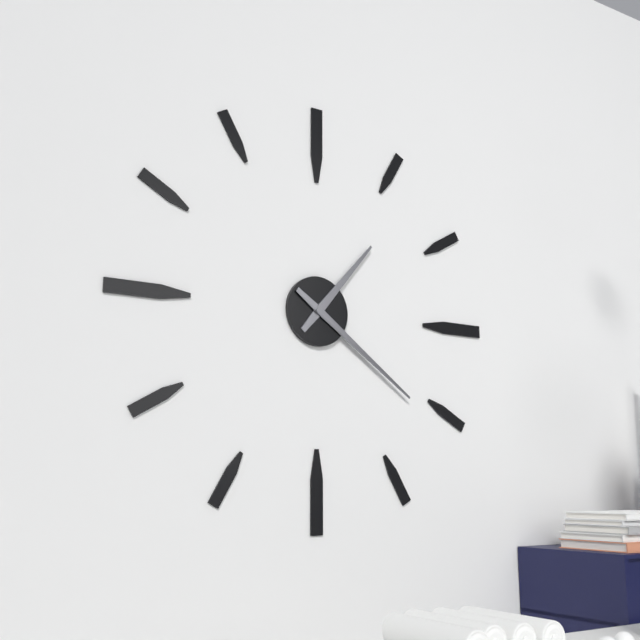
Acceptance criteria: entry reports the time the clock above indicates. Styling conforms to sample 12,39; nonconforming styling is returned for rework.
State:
1,21
